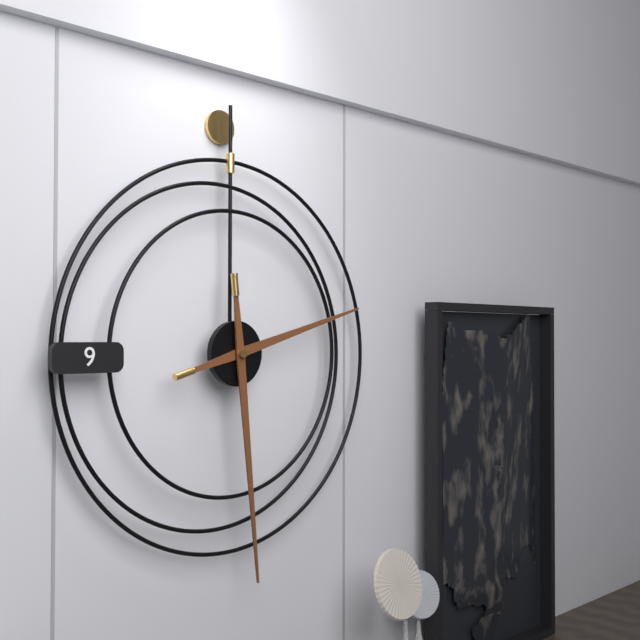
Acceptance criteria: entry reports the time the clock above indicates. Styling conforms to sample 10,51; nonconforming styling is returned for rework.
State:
2,29
